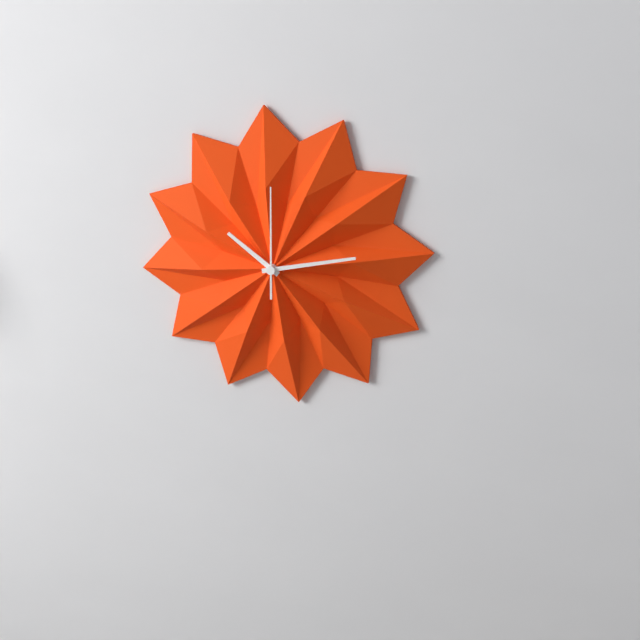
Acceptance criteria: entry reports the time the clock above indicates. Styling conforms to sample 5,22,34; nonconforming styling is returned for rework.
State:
10,13,00
